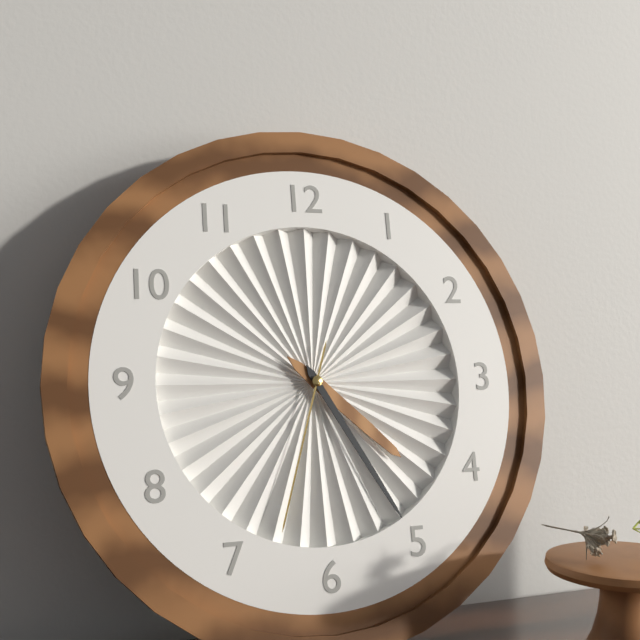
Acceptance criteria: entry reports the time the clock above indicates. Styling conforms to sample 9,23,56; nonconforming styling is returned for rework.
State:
4,25,33
